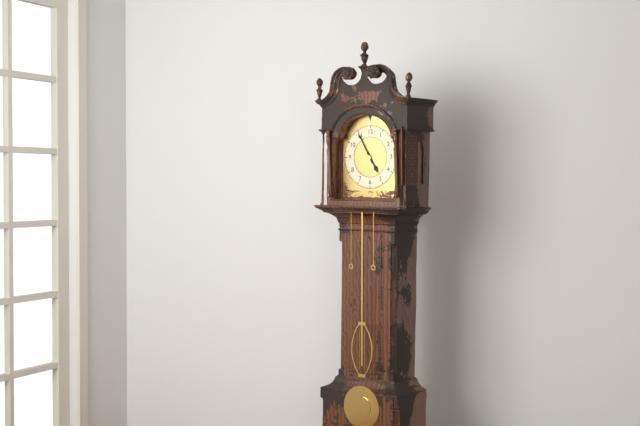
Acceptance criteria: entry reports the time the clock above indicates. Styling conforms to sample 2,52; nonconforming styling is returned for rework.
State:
4,55
